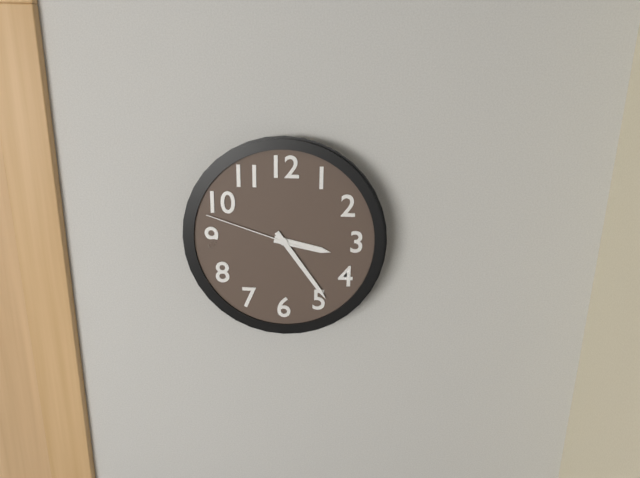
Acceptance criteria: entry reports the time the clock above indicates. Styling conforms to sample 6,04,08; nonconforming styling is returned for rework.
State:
3,24,48
